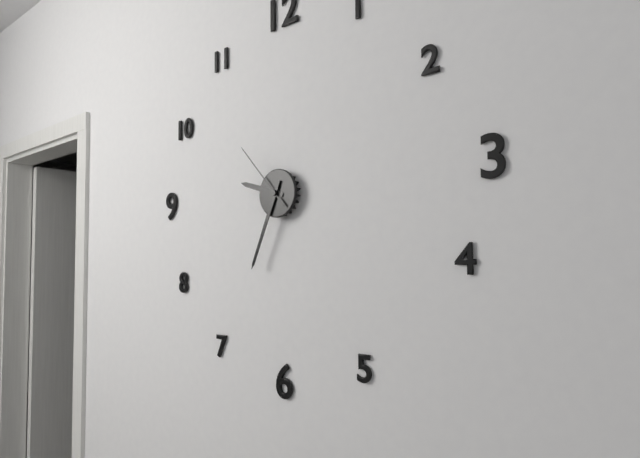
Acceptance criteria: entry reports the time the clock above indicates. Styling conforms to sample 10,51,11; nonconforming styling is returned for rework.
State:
9,34,53
